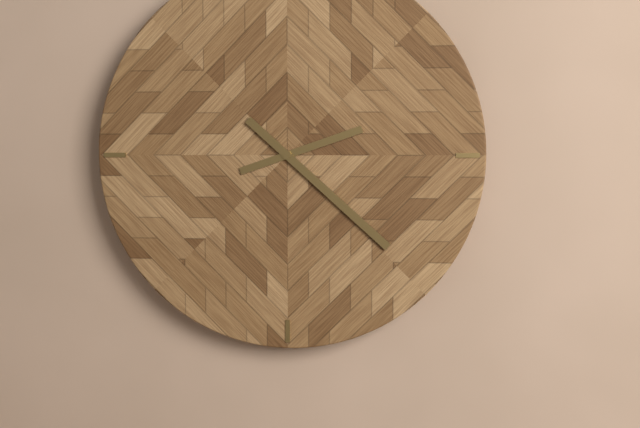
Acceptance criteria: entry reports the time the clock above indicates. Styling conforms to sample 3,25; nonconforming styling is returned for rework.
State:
2,22
